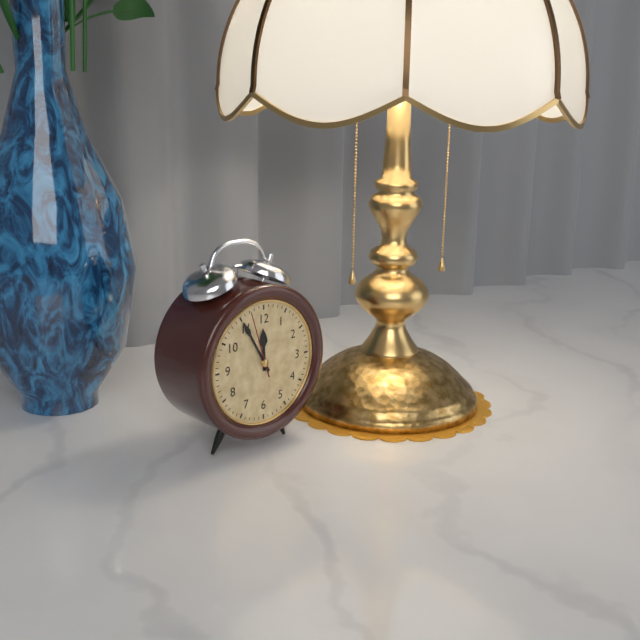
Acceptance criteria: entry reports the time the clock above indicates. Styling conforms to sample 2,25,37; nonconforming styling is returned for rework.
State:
11,55,57
